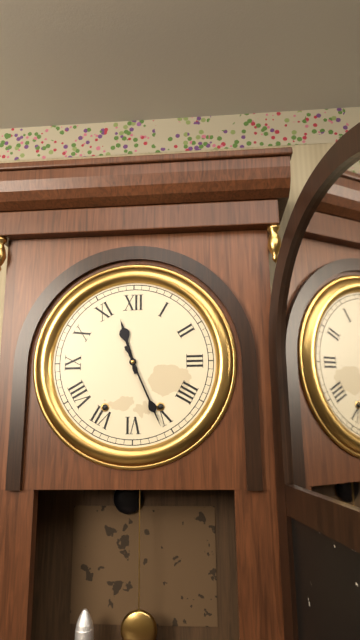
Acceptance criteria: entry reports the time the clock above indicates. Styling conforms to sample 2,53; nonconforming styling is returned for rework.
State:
11,26
